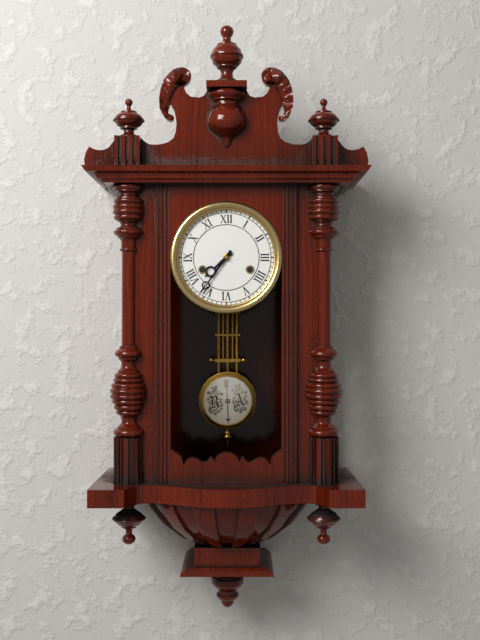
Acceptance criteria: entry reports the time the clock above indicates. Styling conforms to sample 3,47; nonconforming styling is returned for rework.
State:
7,36
